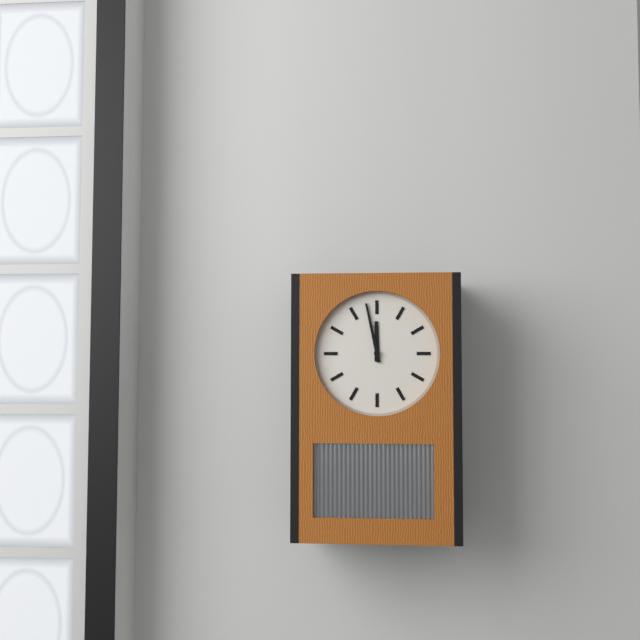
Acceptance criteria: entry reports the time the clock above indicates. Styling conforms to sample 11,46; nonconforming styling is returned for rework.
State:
11,58
